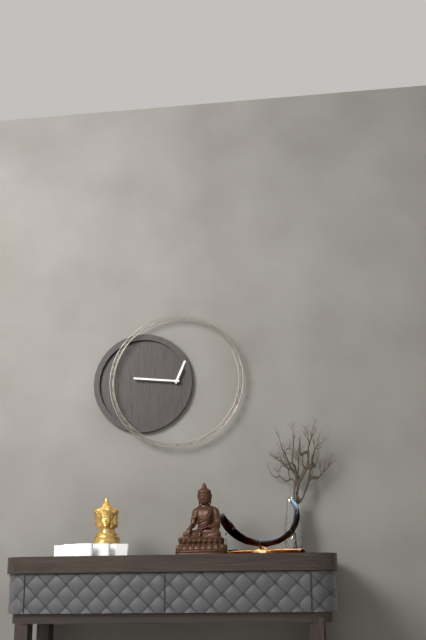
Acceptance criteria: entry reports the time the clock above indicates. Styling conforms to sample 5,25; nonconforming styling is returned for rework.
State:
12,46
